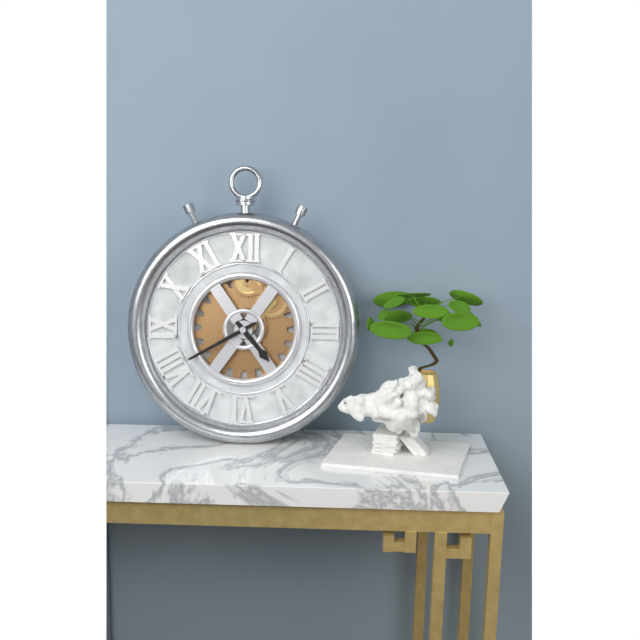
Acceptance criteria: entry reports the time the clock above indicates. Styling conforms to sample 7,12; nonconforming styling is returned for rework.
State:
4,40
